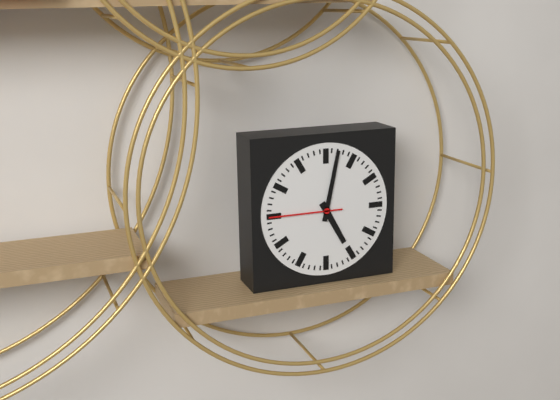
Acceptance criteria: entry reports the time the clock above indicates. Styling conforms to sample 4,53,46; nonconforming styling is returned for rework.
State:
5,02,45
